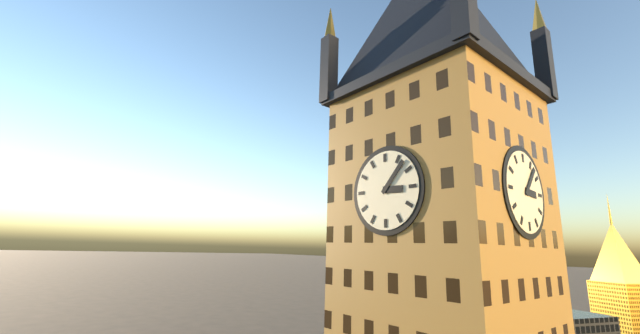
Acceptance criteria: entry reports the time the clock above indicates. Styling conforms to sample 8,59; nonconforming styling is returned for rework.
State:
3,07
